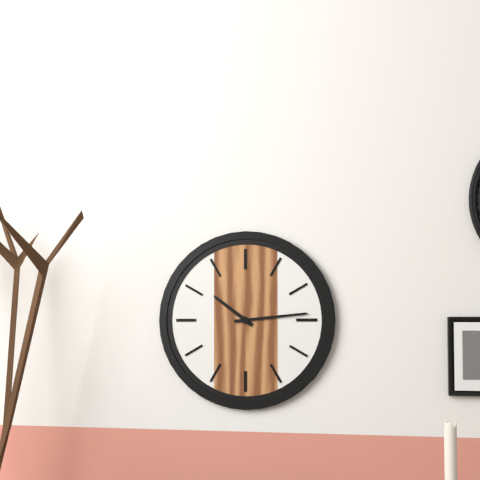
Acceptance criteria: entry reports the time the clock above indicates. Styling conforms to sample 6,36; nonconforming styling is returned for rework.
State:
10,14
